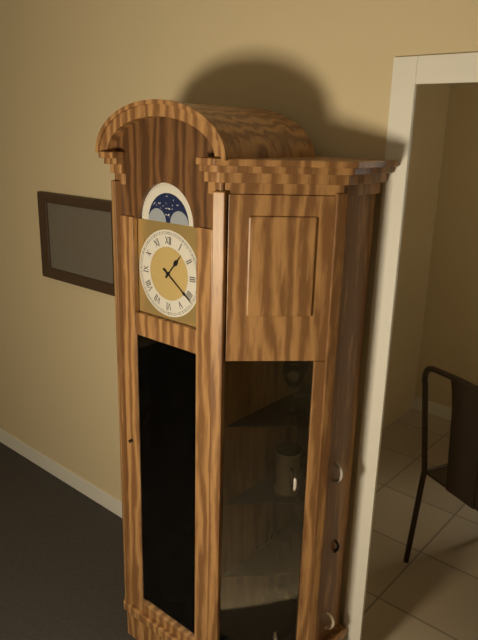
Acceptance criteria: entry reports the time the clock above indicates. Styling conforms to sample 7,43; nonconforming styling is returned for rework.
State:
1,21
